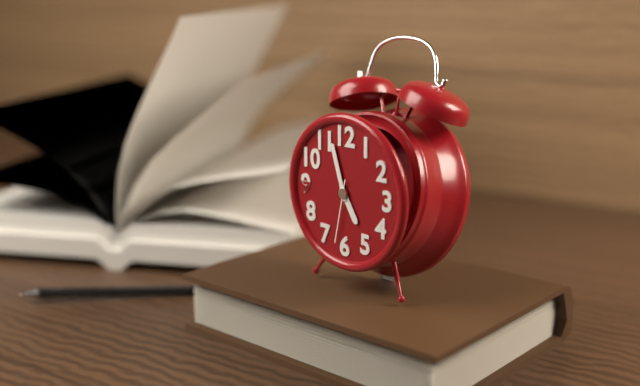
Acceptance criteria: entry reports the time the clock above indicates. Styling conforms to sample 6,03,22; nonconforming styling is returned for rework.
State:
4,57,32
